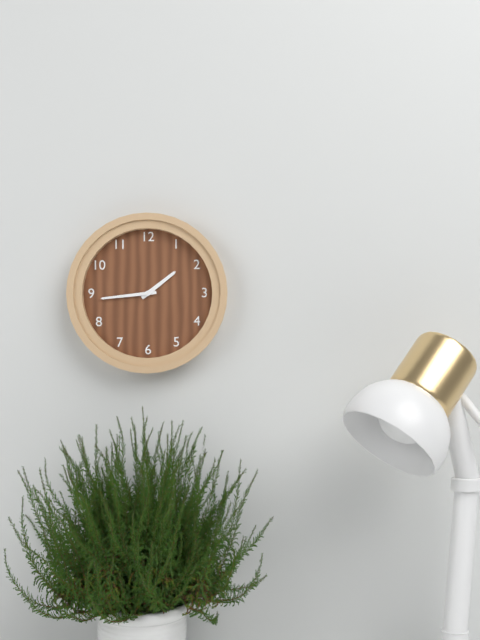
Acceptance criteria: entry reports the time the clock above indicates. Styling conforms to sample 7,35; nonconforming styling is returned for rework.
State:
1,44
